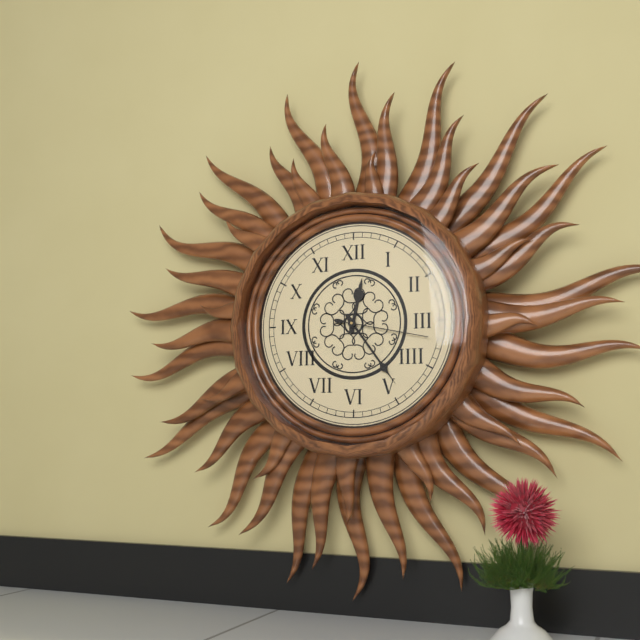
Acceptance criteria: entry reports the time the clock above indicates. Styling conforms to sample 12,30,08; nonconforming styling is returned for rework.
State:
12,24,17
